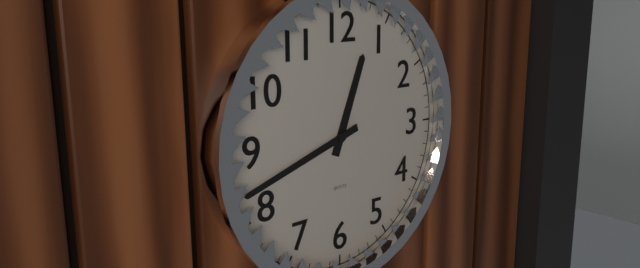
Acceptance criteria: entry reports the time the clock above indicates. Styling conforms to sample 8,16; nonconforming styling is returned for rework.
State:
12,42
